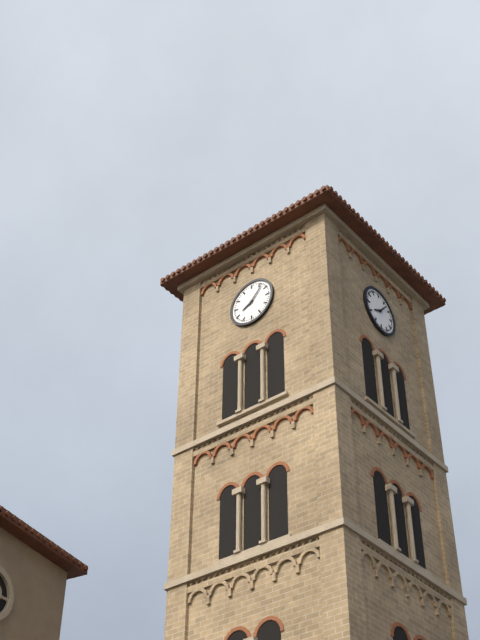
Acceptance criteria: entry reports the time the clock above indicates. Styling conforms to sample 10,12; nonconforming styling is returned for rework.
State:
8,07
